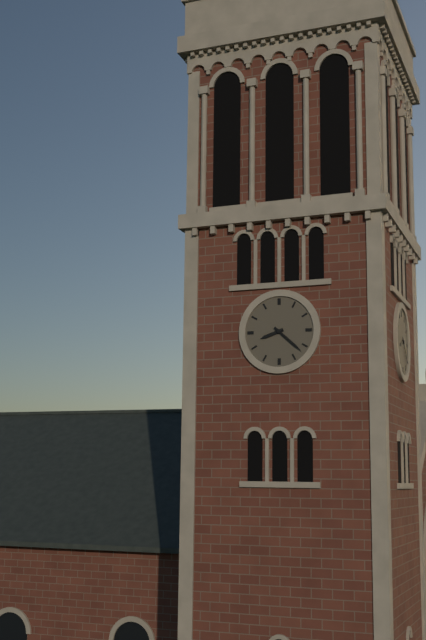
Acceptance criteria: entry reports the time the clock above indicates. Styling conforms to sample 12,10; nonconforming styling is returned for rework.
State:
8,22
